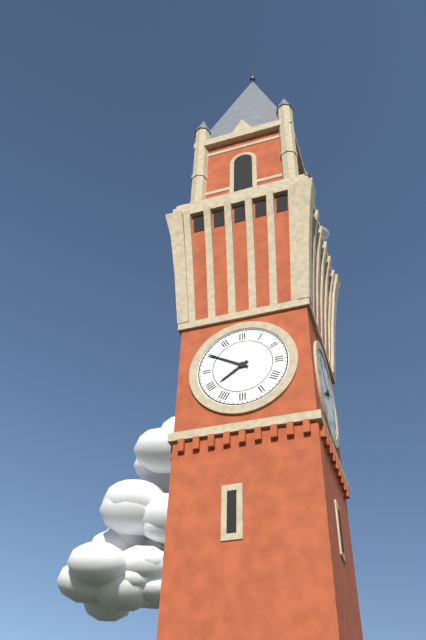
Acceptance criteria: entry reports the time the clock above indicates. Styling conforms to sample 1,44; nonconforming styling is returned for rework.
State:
7,50
